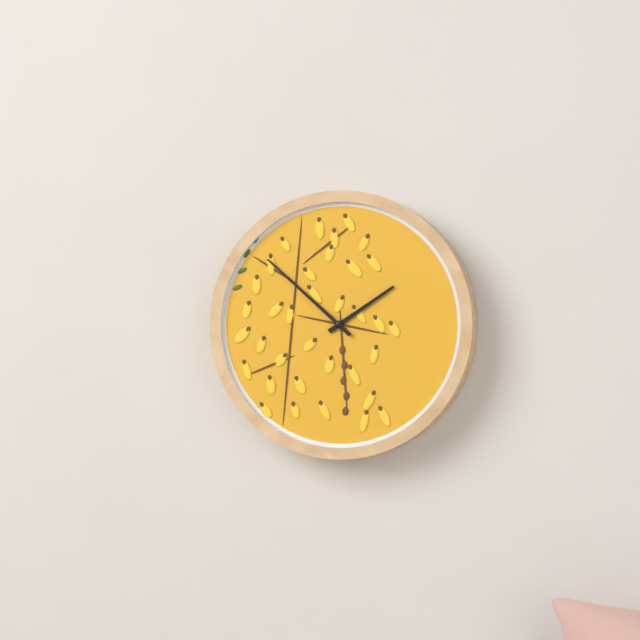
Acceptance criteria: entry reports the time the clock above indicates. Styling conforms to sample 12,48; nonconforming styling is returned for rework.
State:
1,52
